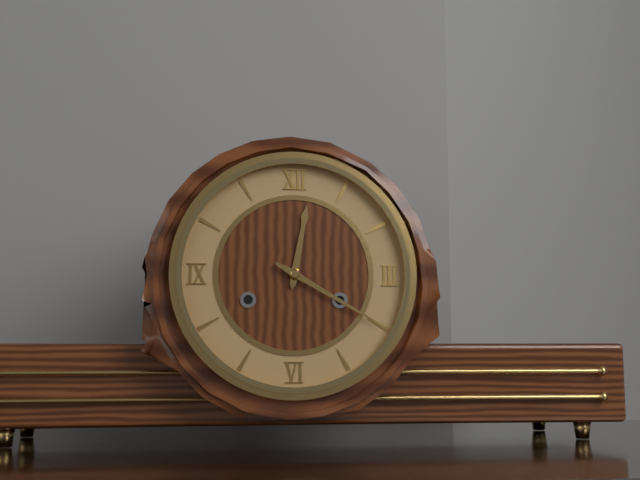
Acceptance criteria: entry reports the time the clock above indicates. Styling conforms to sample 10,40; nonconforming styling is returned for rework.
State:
12,20
